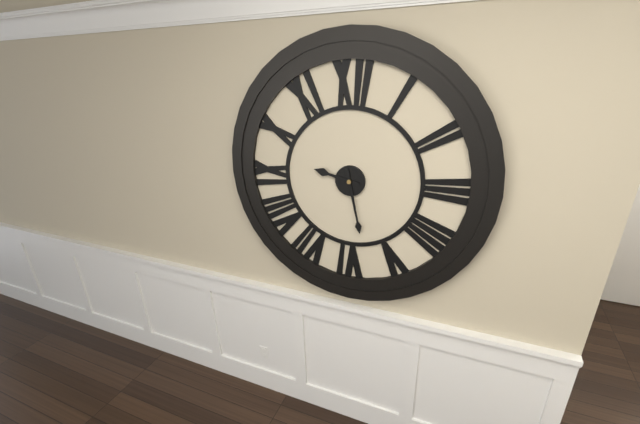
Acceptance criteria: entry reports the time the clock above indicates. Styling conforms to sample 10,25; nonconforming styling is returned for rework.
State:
9,28
